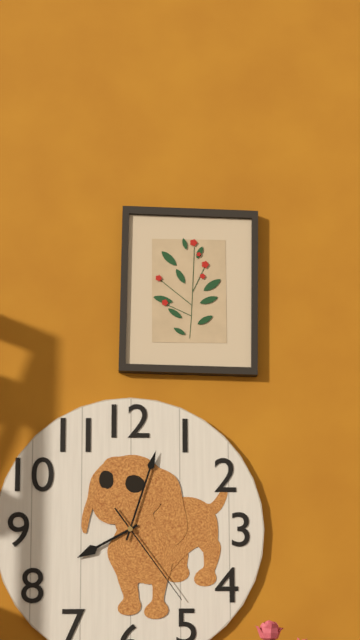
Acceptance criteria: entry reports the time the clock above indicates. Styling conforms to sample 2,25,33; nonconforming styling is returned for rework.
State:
8,03,24
